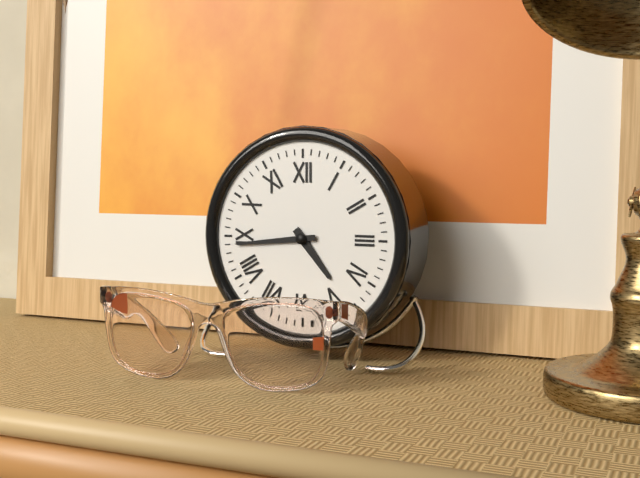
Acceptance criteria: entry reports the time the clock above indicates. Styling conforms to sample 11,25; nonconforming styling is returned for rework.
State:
4,44
